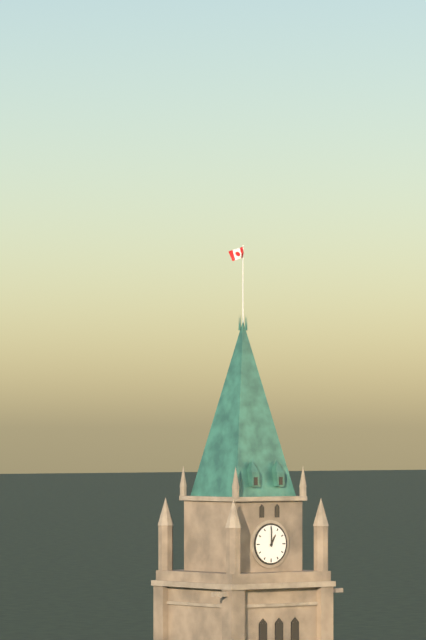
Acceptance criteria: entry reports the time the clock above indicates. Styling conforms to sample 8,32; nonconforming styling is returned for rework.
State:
1,00
